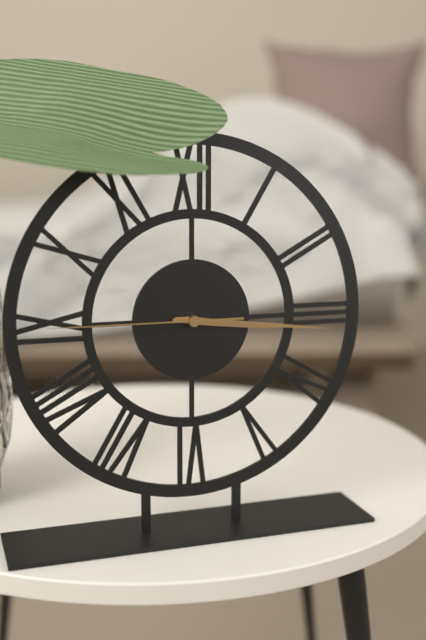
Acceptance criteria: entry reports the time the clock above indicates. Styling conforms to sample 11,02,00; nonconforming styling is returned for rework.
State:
3,16,45
